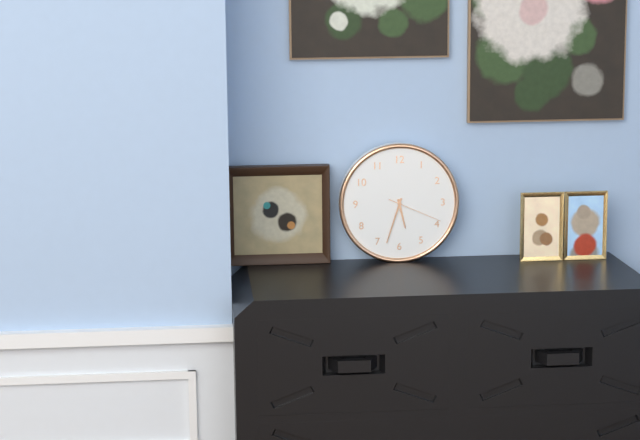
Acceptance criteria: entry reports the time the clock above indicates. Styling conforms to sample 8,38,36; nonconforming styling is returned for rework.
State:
5,33,19
